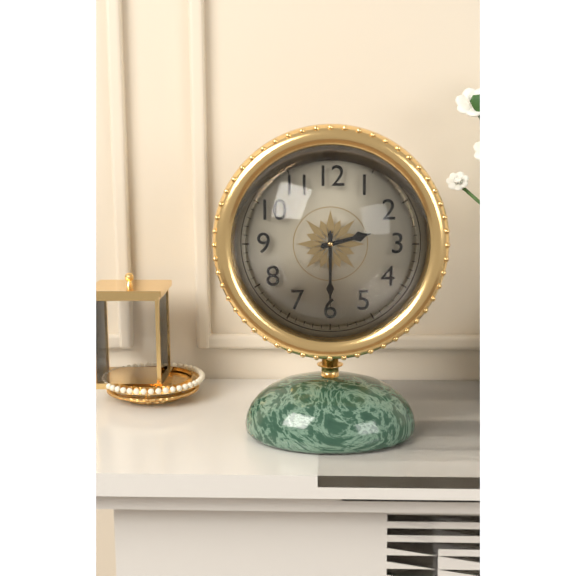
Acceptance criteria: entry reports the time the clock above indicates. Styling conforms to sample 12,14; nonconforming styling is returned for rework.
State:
2,30
